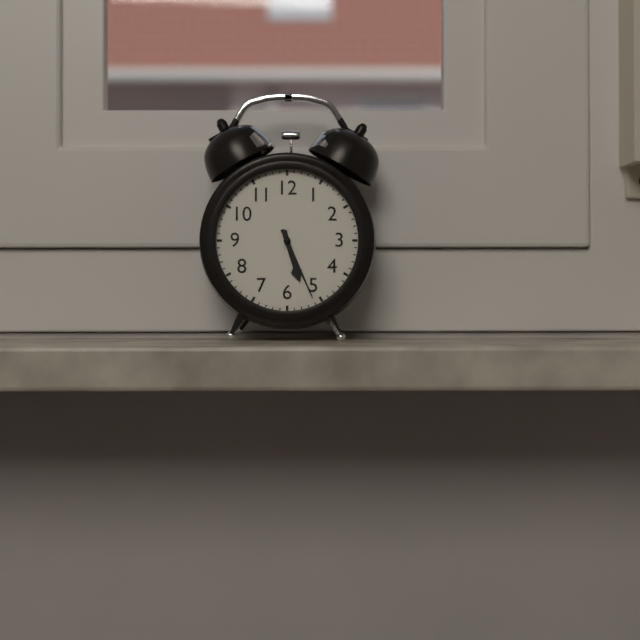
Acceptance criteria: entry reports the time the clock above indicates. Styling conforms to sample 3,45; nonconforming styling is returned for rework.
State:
5,26
